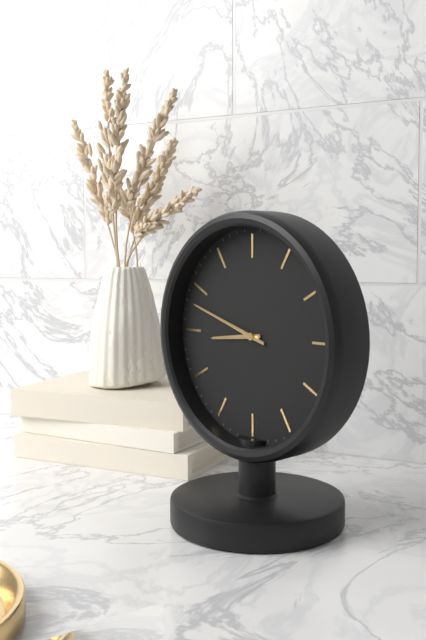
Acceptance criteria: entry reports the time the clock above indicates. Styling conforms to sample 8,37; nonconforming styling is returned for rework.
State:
8,48
